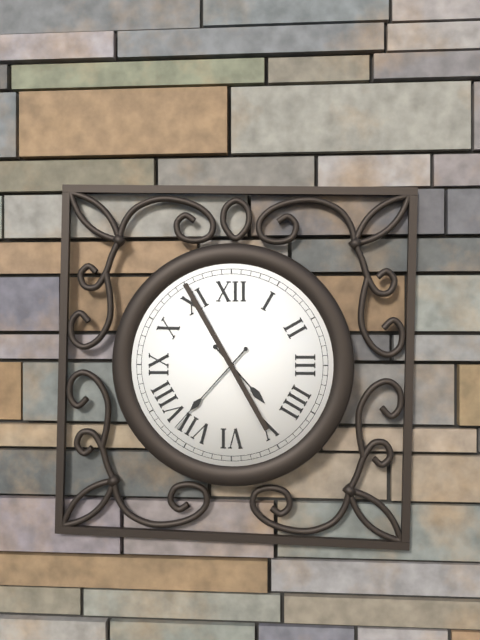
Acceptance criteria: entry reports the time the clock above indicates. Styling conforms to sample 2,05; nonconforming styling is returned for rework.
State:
4,37
